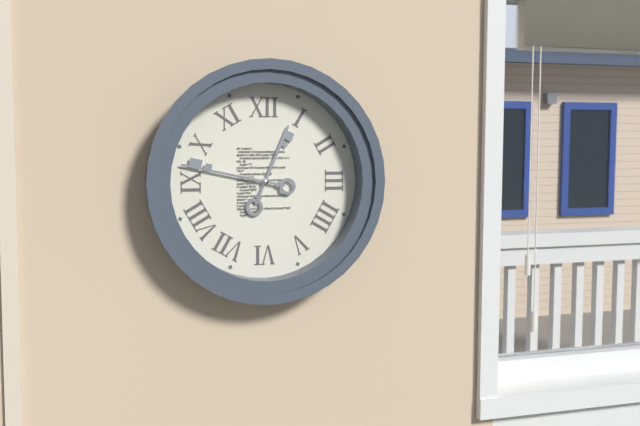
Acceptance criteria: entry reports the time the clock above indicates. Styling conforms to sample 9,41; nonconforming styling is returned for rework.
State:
12,47
